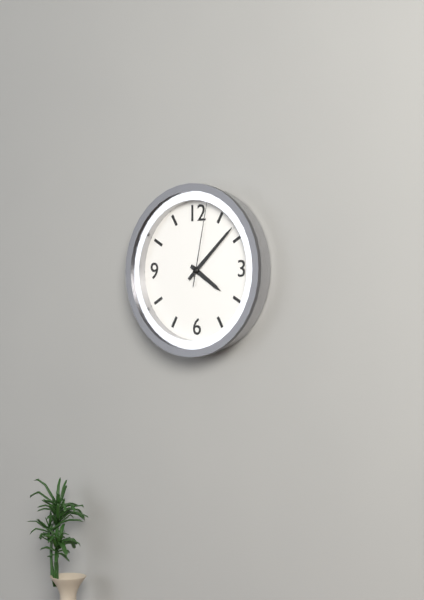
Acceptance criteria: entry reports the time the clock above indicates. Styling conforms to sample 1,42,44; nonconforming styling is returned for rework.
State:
4,08,02
